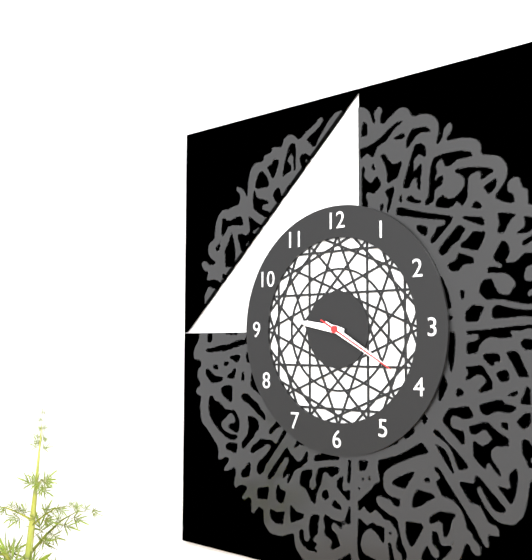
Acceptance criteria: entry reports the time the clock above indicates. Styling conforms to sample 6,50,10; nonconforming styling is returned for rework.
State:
9,20,20
